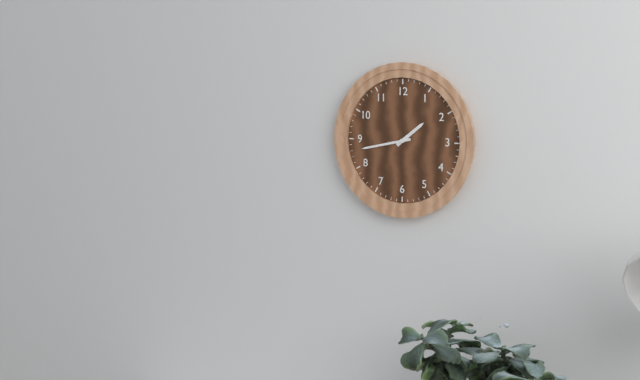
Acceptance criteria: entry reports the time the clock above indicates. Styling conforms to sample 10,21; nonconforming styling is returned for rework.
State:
1,43
